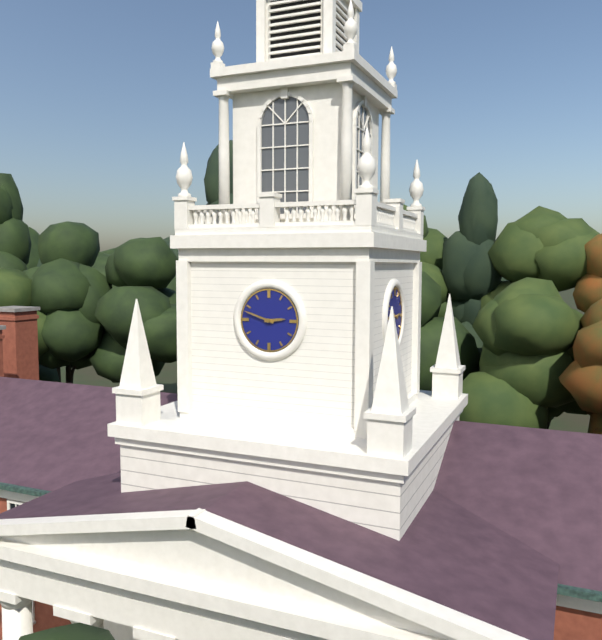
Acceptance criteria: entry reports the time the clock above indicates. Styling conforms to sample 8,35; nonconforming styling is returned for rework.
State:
2,48
